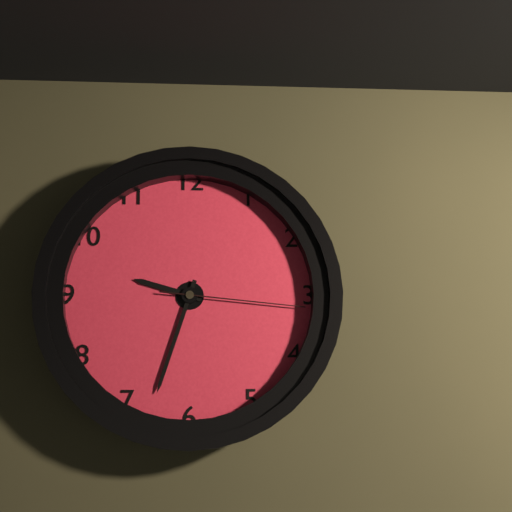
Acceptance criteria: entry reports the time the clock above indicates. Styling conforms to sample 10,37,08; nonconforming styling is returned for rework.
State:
9,33,16
